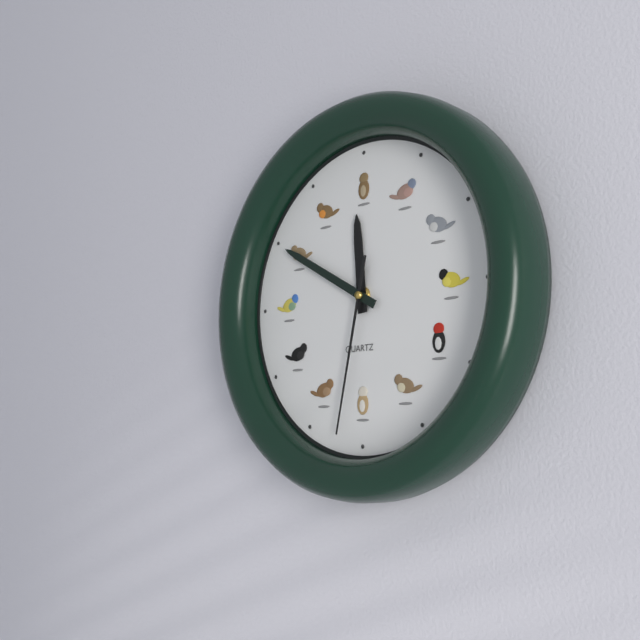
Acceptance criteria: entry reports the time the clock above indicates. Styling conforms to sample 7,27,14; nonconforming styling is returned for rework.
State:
11,50,32
